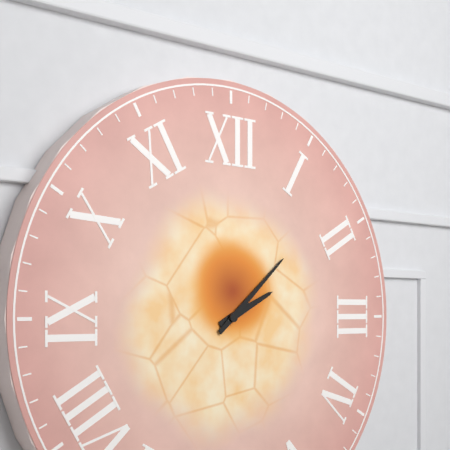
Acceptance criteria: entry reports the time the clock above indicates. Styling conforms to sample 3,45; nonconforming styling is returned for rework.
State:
2,08
